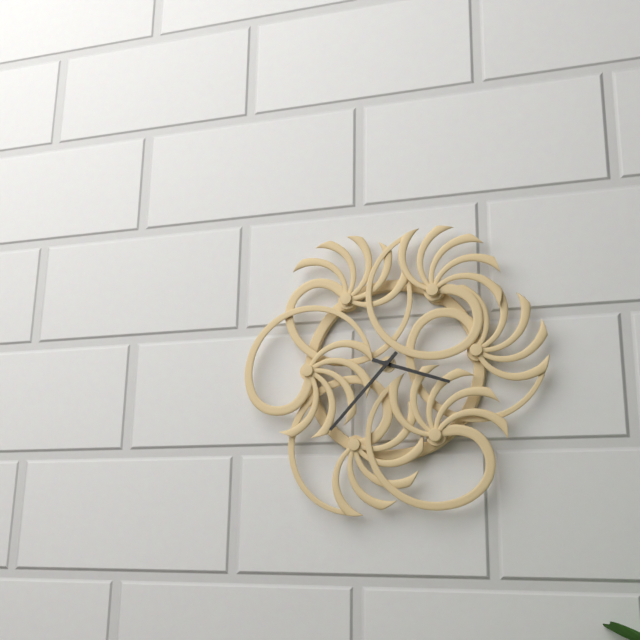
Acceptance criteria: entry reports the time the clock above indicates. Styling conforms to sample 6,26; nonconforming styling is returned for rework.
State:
3,37
